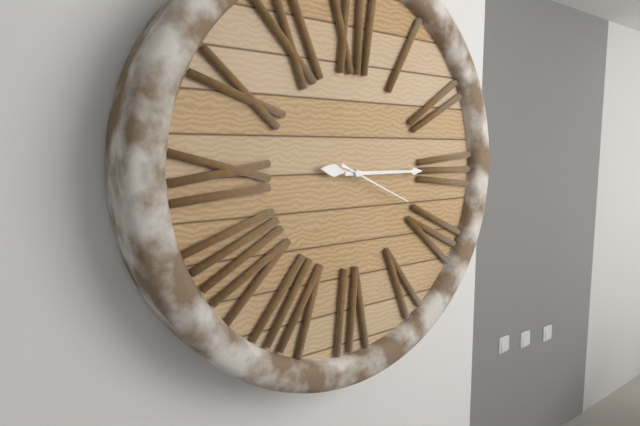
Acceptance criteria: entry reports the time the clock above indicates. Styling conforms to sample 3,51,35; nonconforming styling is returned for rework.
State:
9,15,19
